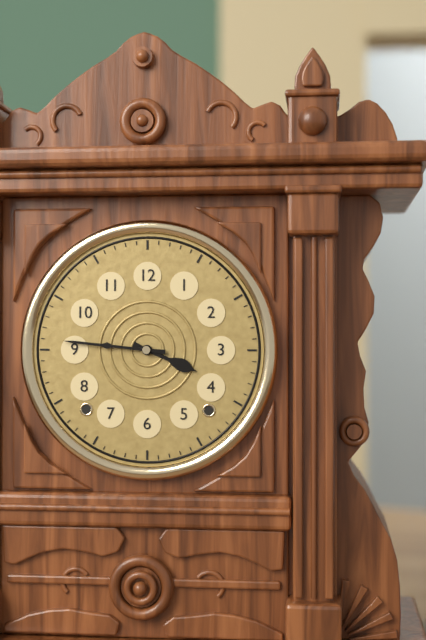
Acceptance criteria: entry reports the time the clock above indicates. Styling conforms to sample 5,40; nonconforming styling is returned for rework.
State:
3,46
